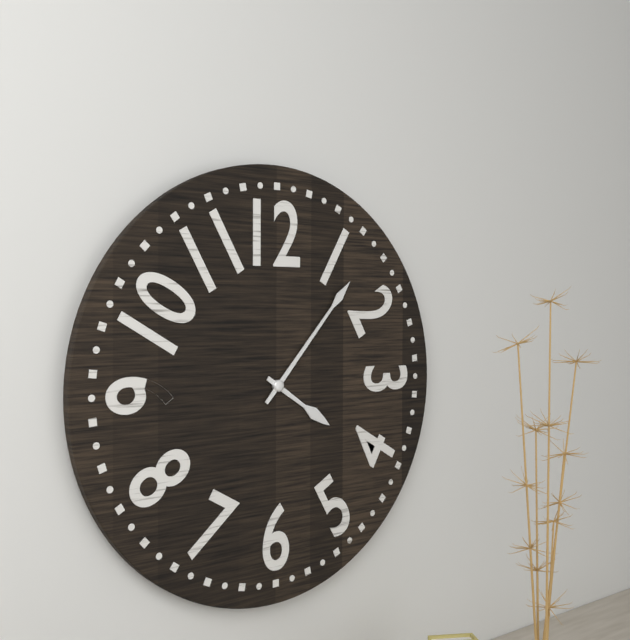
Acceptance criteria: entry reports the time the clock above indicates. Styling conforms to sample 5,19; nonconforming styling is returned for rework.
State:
4,07
